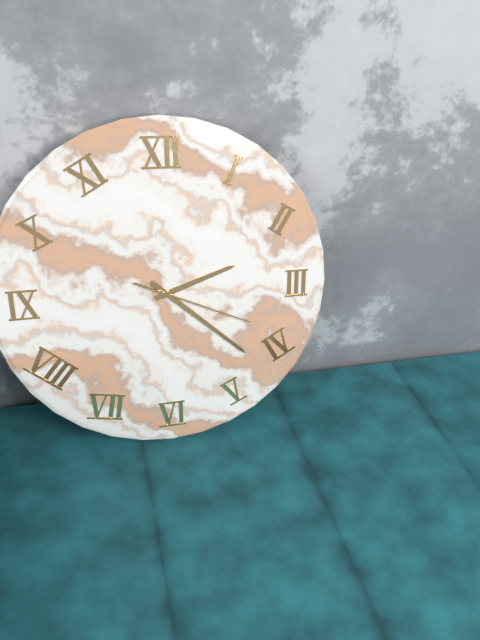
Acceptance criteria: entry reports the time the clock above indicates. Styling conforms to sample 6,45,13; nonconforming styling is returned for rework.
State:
2,22,19
